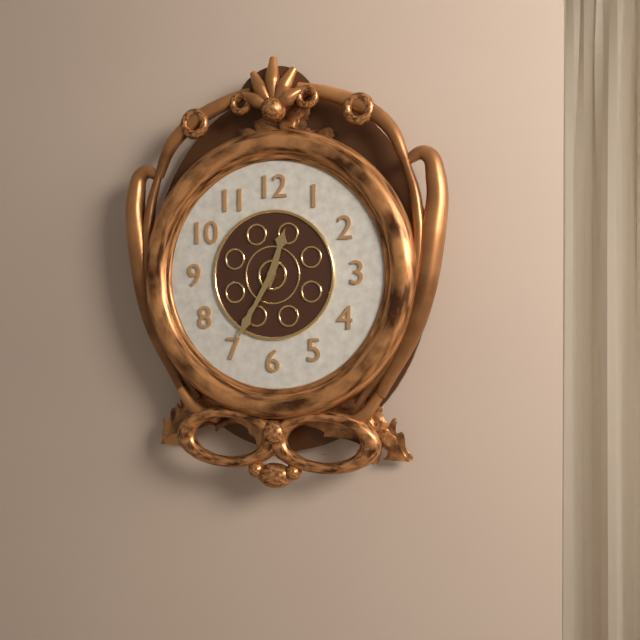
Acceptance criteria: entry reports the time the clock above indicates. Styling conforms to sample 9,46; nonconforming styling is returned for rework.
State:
12,35
